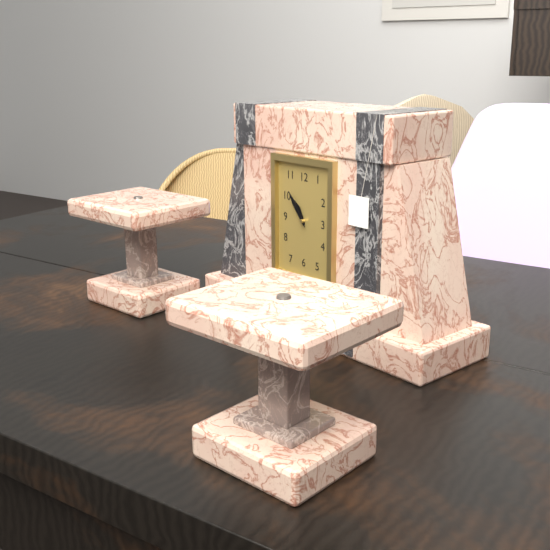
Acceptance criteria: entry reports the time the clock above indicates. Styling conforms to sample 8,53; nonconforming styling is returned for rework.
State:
10,54
